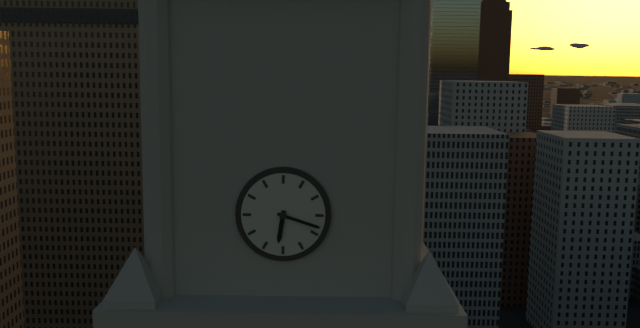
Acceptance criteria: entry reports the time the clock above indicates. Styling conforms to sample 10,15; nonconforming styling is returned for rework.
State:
6,18
